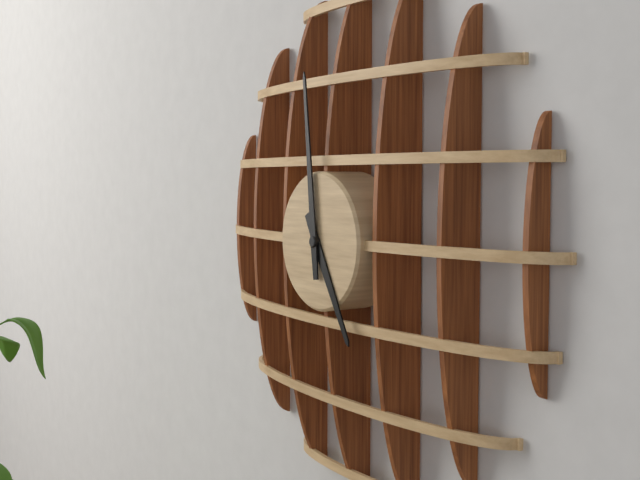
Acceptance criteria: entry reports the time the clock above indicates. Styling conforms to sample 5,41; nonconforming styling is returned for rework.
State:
4,59
